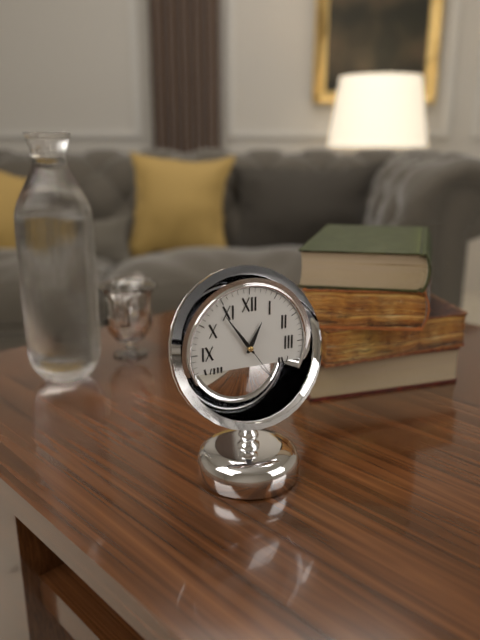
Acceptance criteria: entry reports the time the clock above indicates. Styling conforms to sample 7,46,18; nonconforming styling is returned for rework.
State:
12,54,24
